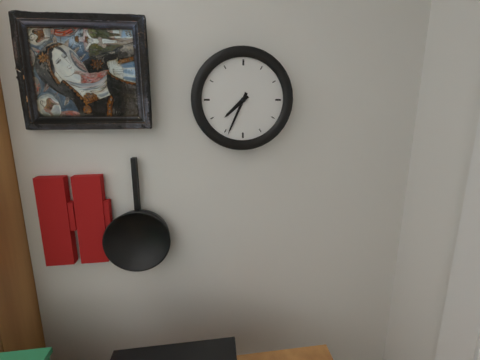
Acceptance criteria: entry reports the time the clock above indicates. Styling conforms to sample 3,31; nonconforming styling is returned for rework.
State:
7,34
